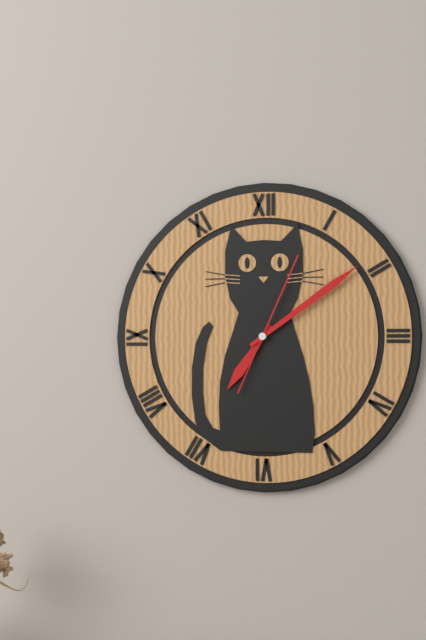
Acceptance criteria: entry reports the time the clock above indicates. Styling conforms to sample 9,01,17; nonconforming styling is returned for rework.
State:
7,09,04
